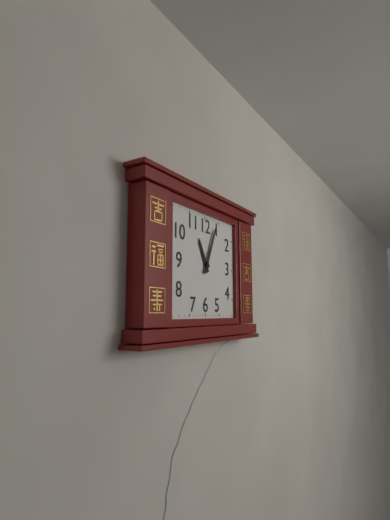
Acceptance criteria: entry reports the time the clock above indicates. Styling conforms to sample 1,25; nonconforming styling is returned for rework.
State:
11,04
